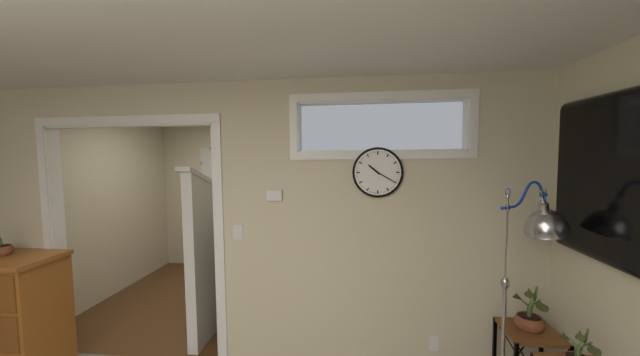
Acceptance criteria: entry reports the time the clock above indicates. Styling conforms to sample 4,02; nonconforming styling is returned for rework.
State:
10,20
